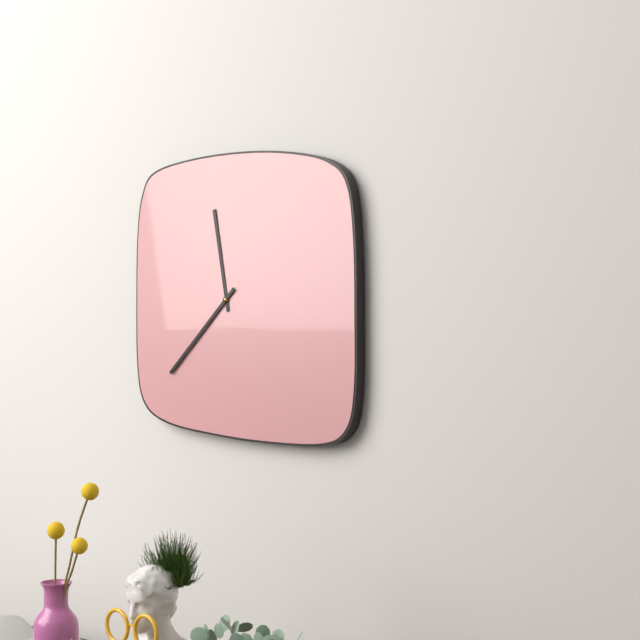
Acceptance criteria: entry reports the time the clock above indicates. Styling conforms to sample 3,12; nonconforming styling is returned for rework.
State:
11,38
